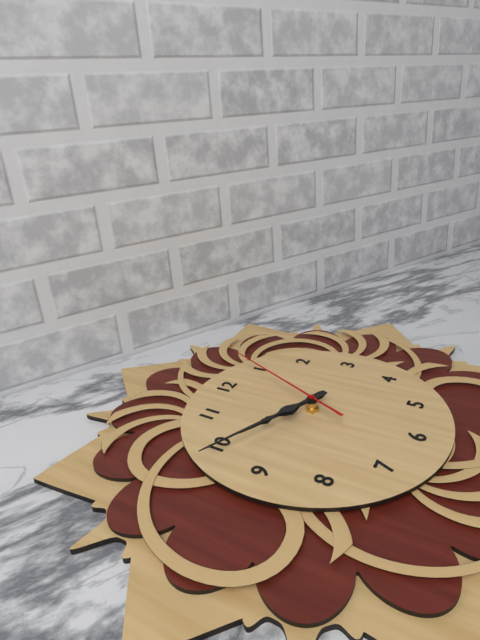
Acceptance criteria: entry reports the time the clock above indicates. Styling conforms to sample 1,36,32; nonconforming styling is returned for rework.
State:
9,49,04
